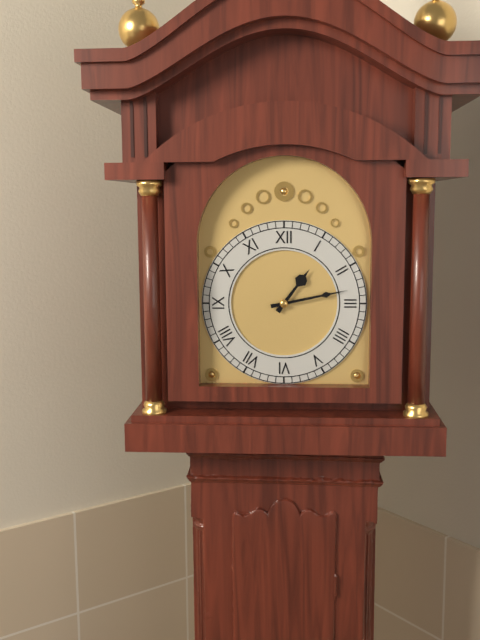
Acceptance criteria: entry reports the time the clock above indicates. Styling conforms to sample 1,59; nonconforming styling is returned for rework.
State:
1,13
